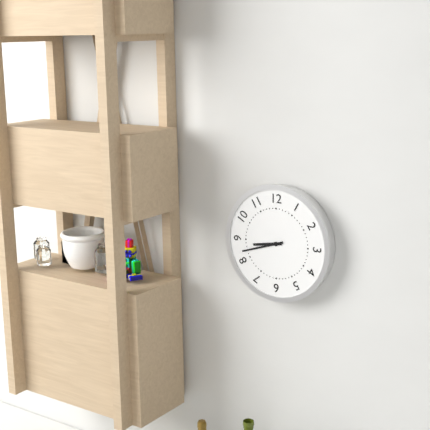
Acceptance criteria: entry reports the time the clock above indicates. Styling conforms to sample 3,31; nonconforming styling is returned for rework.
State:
8,42
